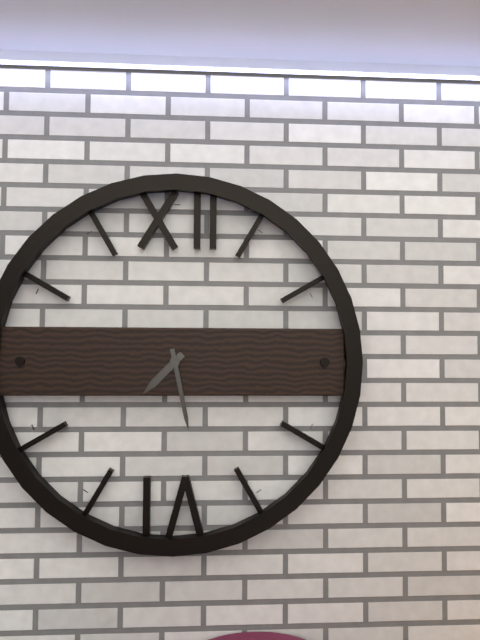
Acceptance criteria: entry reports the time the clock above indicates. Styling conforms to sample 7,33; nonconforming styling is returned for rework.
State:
7,28
